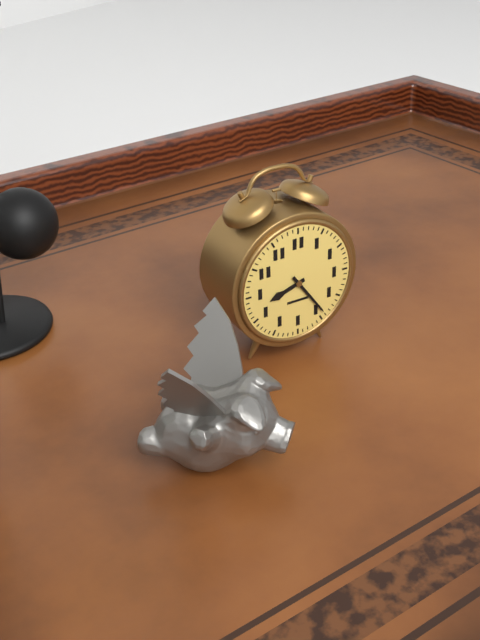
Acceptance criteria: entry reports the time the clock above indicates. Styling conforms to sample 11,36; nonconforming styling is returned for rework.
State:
8,24
